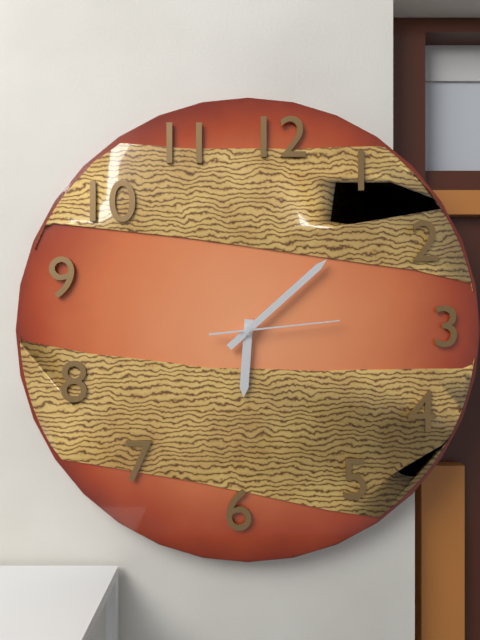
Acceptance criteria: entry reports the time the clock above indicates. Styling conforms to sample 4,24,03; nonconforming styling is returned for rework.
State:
6,08,14
